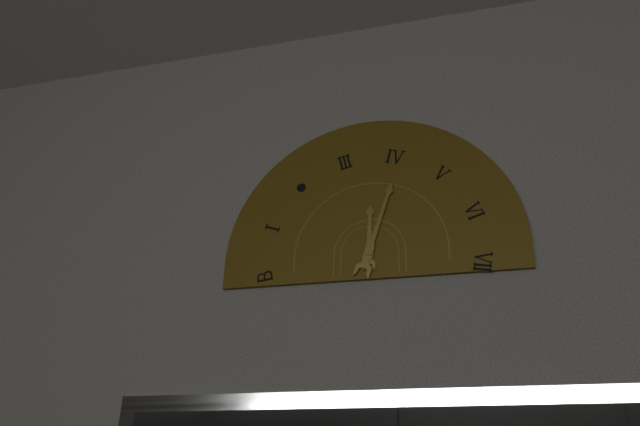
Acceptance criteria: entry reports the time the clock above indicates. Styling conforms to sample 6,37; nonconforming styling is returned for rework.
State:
12,03
